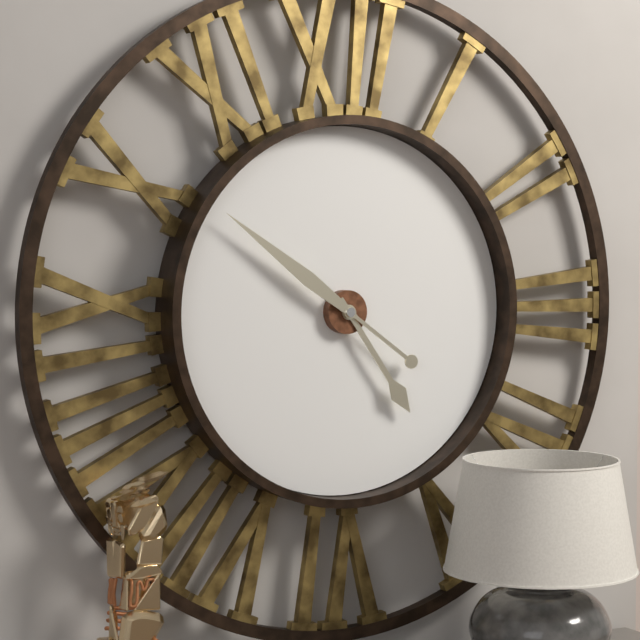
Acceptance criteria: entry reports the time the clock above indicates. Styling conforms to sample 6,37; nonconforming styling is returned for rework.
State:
4,51
